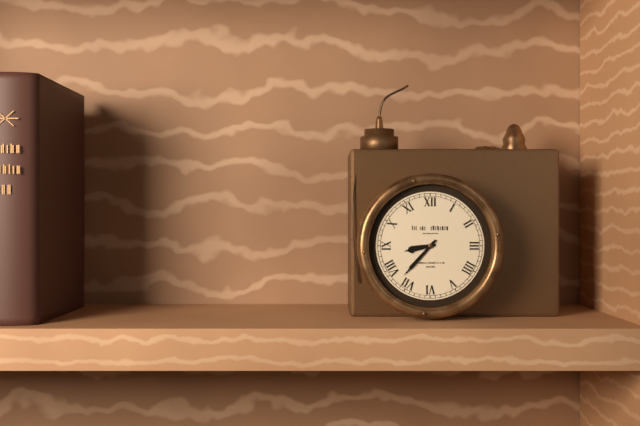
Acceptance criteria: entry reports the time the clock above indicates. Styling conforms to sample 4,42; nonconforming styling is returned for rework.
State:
8,37
